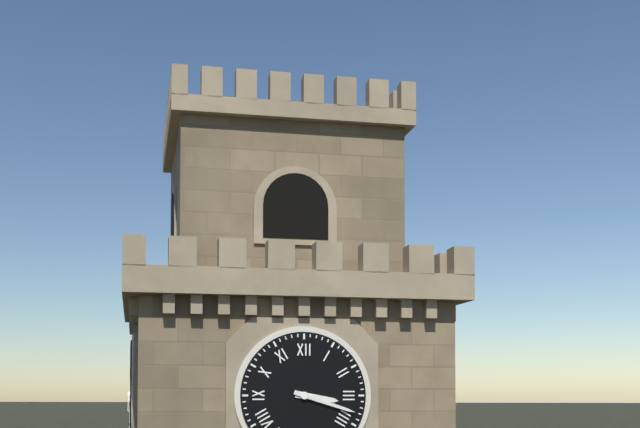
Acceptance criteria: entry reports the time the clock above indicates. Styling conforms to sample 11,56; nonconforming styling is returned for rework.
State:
3,18
